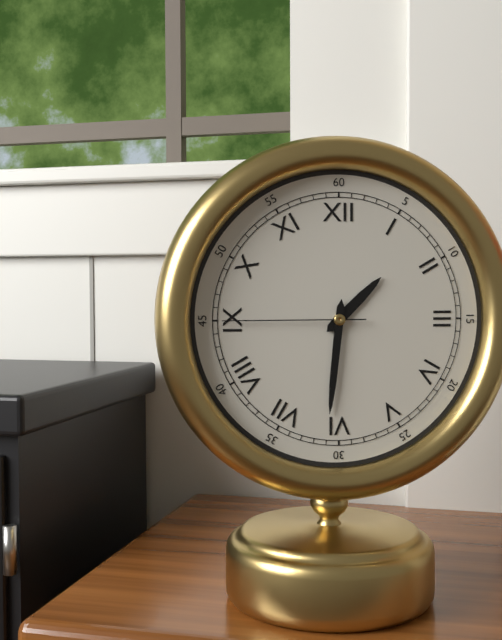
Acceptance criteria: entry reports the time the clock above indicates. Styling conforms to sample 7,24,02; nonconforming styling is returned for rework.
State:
1,31,45
